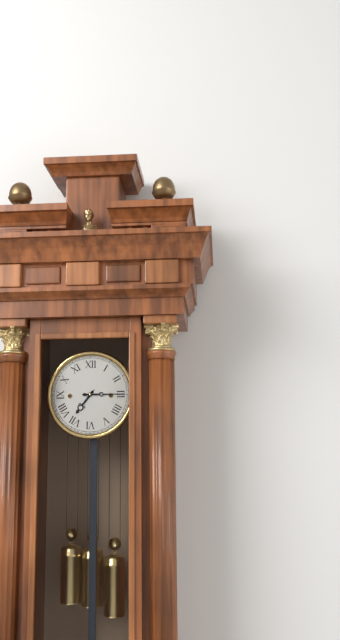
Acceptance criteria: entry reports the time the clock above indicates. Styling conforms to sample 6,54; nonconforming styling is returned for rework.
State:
7,15
